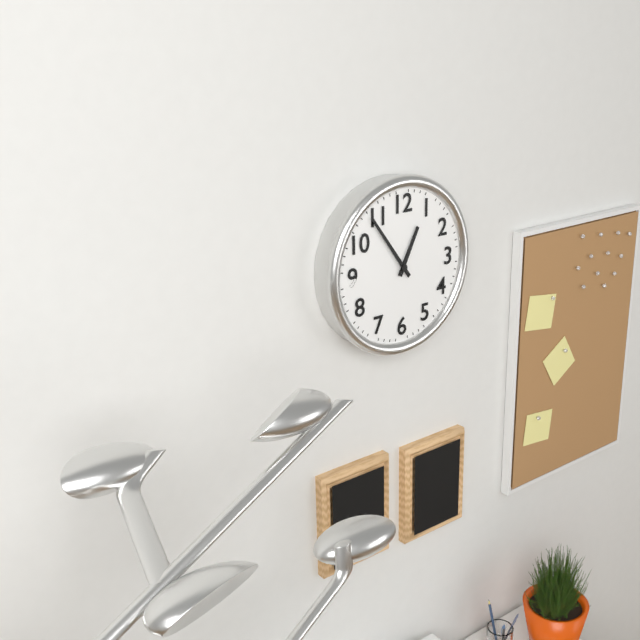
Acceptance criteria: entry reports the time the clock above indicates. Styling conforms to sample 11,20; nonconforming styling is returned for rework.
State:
12,54
